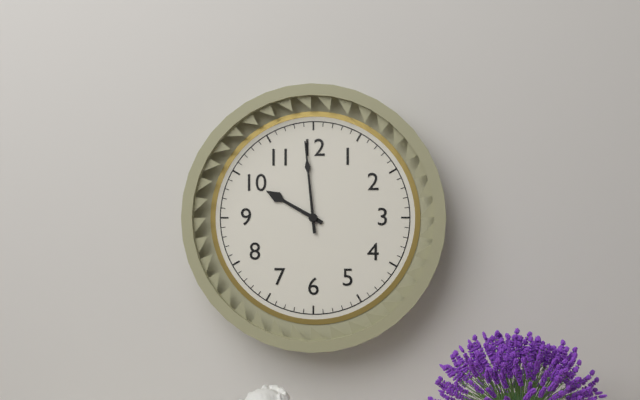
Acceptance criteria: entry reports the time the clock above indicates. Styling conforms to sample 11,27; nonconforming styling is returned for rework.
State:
9,59
